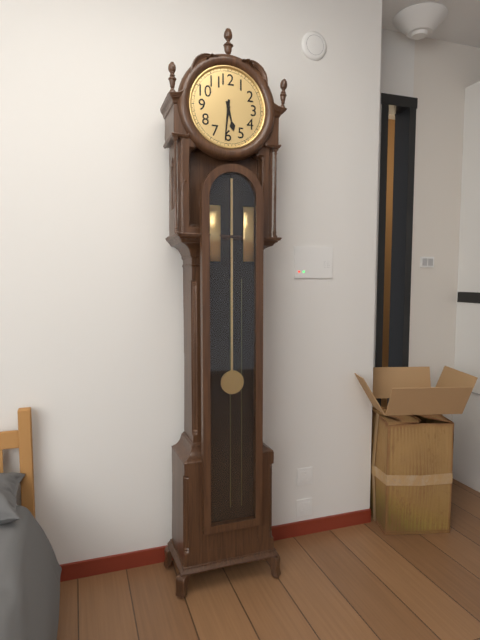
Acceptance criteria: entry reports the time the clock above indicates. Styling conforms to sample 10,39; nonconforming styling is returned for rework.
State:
5,31
